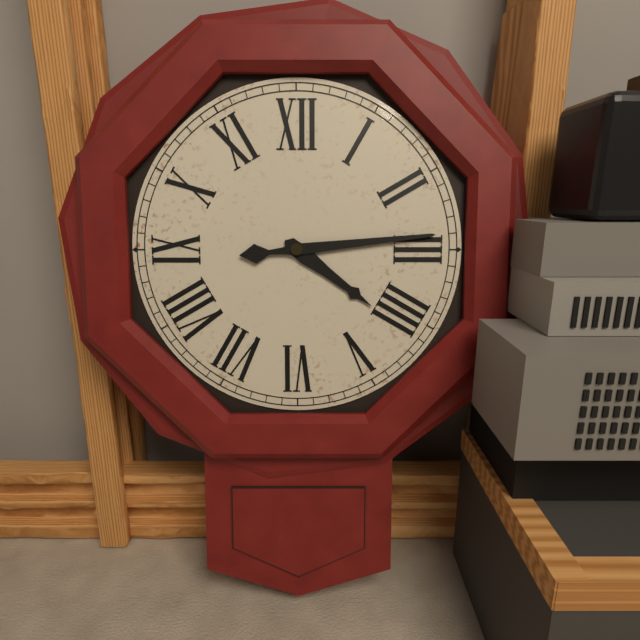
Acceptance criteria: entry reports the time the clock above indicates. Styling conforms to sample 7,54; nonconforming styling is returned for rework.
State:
4,14
